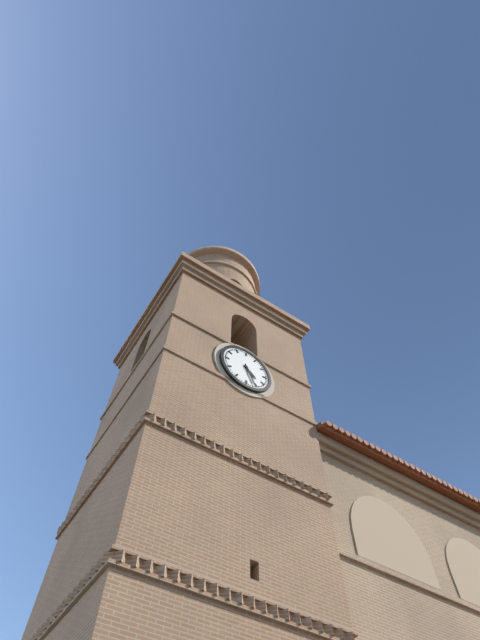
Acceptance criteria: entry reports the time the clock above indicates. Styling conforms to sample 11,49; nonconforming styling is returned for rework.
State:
4,26
